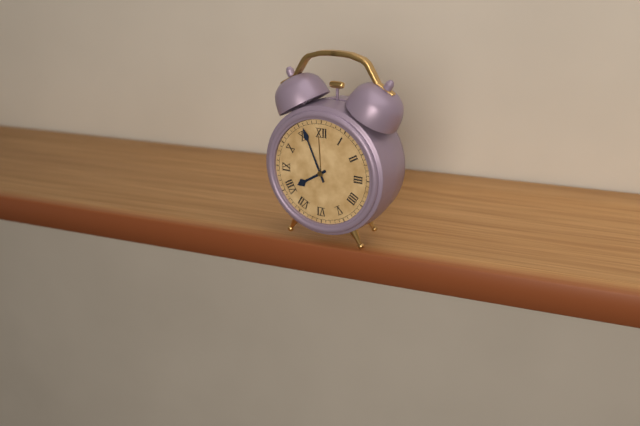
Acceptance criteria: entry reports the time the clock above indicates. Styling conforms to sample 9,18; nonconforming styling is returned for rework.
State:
7,56
